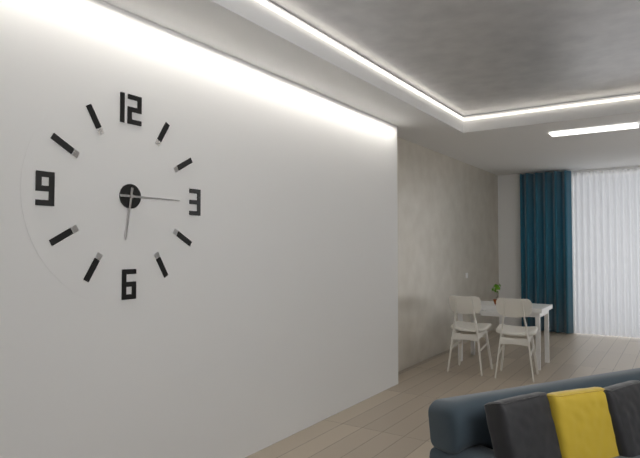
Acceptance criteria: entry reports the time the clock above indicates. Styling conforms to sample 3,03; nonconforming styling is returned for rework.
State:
6,15
